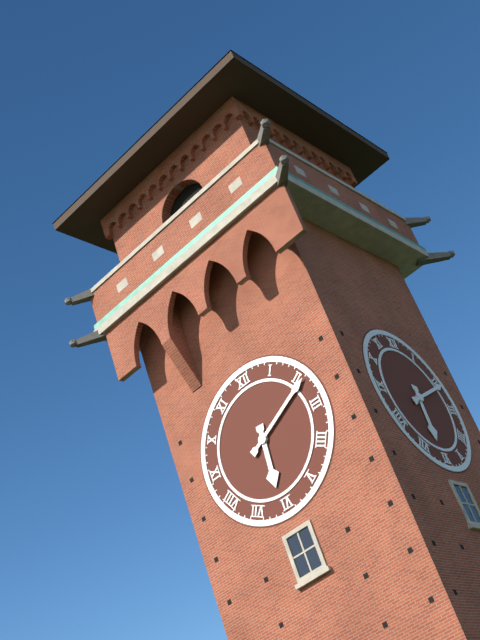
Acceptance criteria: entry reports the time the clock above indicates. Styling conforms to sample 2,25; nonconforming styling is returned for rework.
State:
6,11
